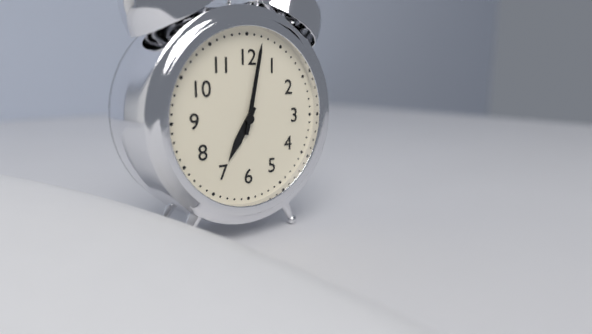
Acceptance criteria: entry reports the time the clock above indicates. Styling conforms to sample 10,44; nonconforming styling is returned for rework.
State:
7,02
